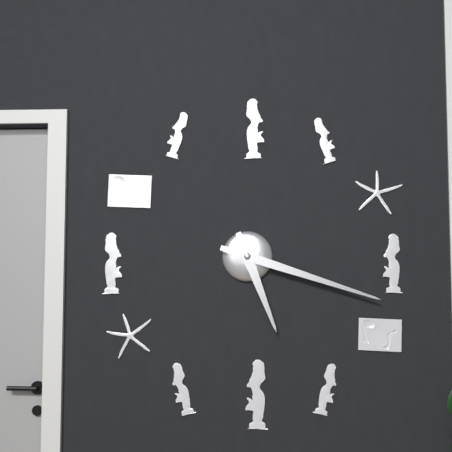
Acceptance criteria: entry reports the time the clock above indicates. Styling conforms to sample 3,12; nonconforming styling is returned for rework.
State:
5,18
